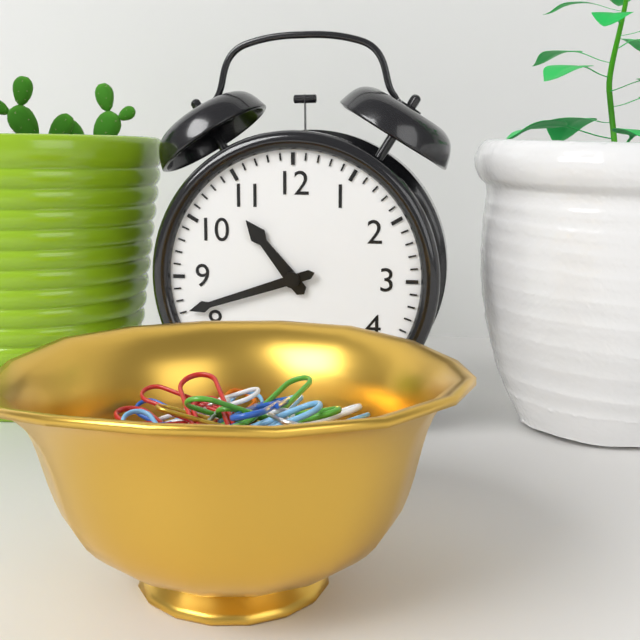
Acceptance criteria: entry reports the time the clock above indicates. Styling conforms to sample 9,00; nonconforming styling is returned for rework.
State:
10,42
